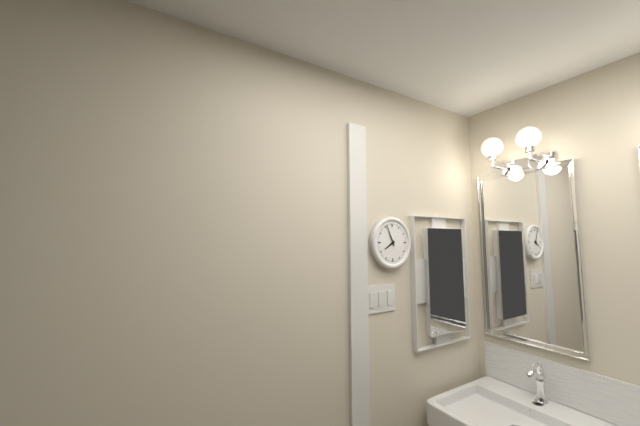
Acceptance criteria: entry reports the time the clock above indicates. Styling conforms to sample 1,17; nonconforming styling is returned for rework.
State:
7,56
